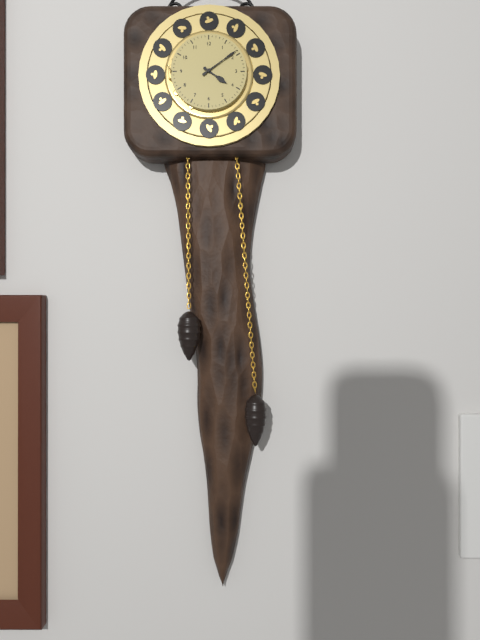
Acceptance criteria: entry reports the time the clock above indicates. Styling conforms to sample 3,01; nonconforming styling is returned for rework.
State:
4,09
